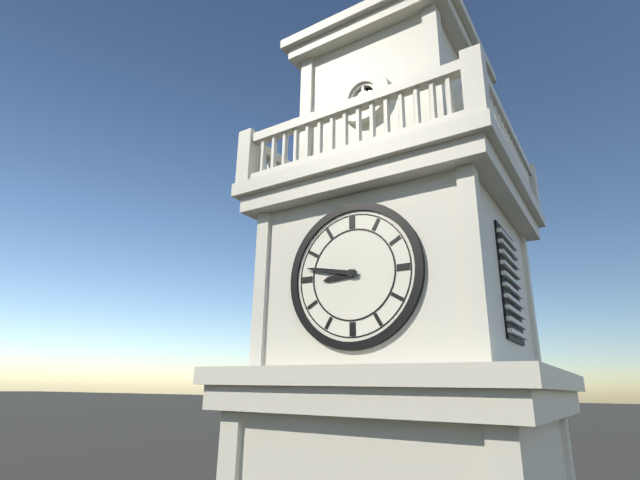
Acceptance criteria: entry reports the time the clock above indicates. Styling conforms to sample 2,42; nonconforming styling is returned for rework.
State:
8,47
